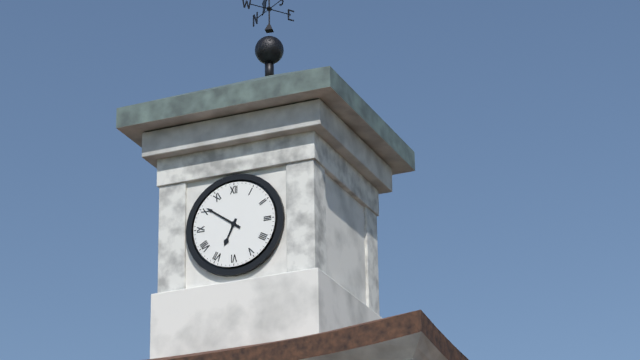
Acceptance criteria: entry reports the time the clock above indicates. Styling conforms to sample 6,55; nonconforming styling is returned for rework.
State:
6,51
